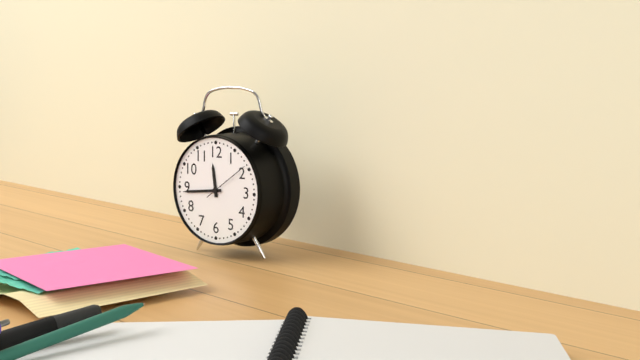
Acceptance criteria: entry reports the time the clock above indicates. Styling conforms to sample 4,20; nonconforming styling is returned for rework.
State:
11,44
